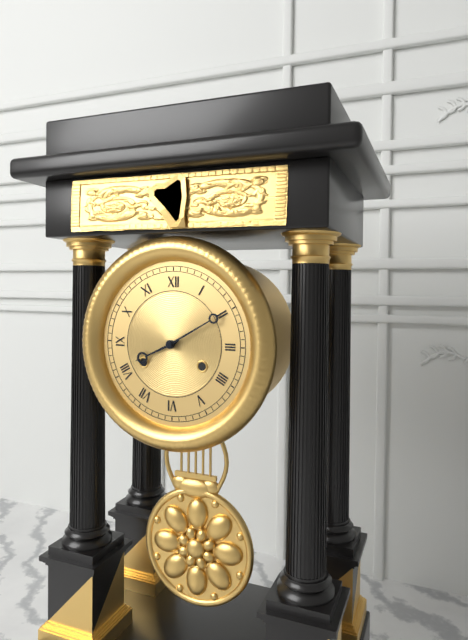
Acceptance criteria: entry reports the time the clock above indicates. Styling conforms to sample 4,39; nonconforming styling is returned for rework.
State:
8,10
